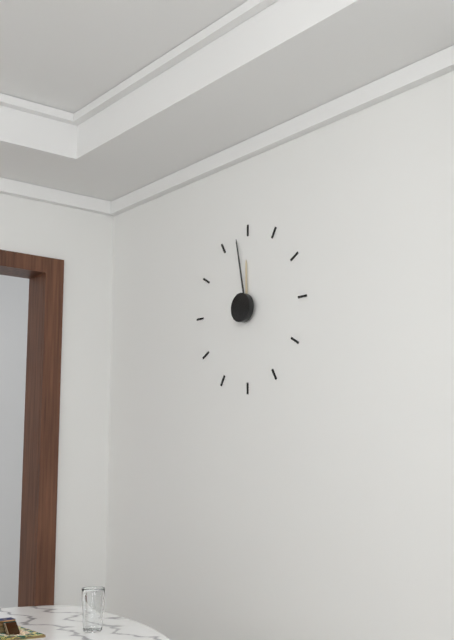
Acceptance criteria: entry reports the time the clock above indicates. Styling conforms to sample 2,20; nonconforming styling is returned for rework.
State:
11,58
